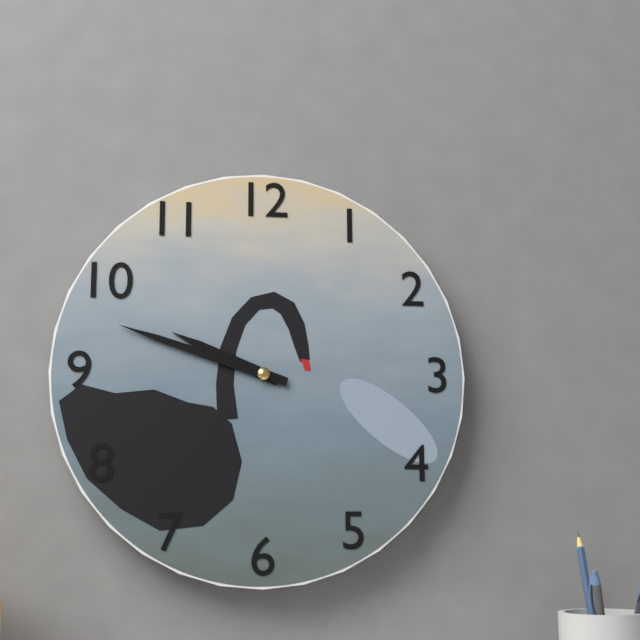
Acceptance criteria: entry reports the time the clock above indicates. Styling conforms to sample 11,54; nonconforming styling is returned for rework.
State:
9,48
